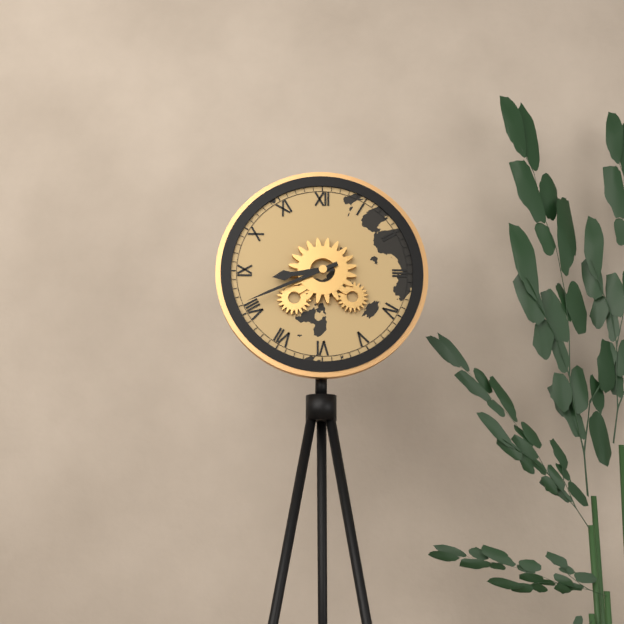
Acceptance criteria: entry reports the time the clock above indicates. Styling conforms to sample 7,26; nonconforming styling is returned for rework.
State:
8,41
